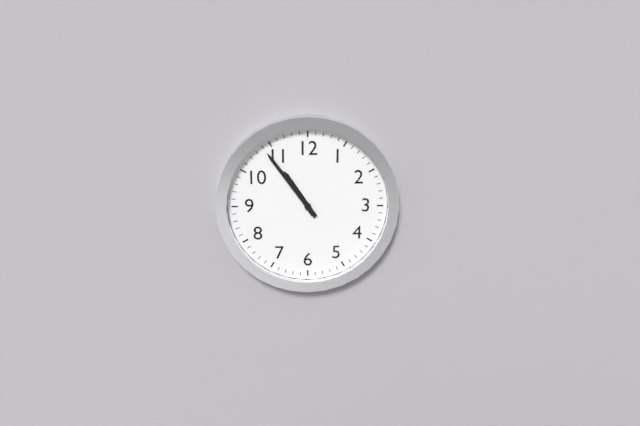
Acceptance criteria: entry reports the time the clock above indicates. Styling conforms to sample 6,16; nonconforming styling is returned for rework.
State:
10,54
